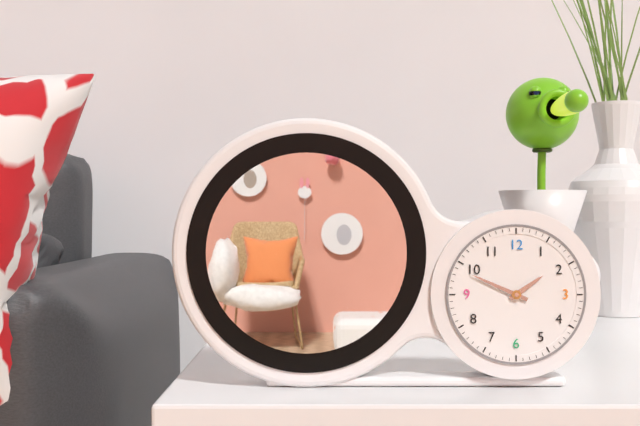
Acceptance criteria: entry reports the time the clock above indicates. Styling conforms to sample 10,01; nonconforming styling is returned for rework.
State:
1,49
